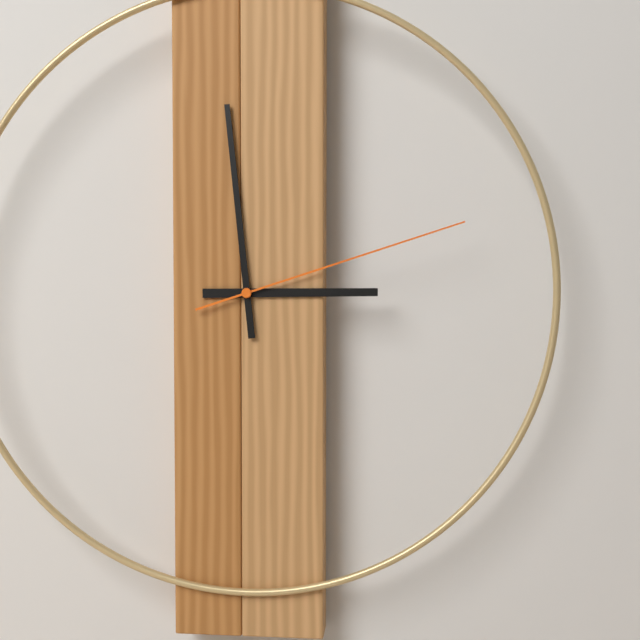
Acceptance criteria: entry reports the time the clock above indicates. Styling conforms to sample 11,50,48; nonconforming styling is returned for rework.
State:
2,59,12
